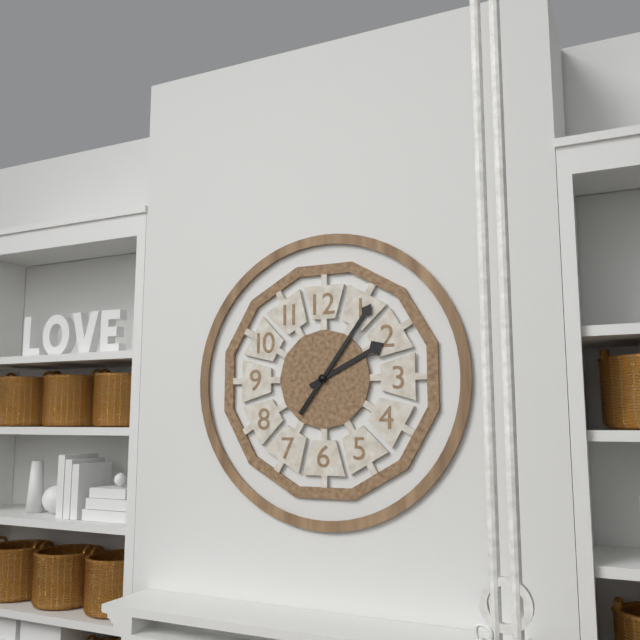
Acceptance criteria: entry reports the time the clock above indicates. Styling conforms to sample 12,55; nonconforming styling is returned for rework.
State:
2,06
